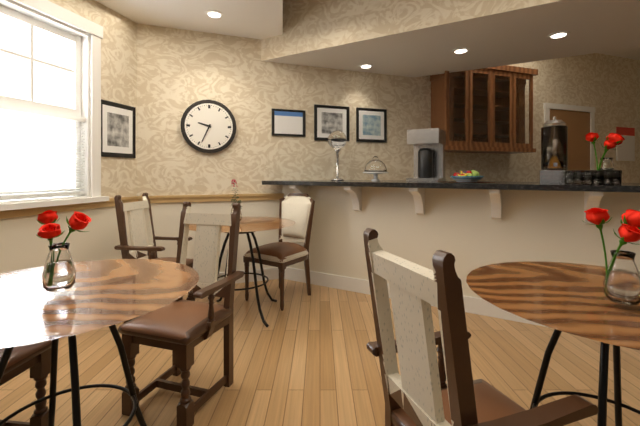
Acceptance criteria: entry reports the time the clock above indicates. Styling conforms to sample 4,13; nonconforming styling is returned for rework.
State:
9,34
